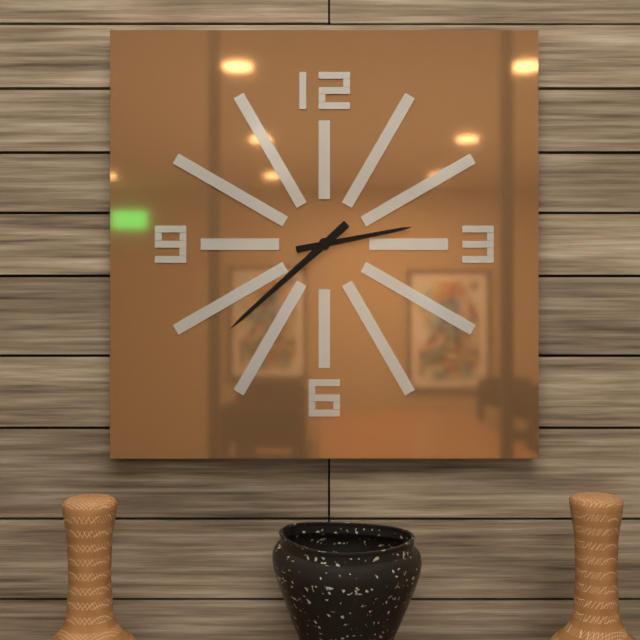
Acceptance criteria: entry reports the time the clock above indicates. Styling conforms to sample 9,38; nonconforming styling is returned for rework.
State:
2,38
